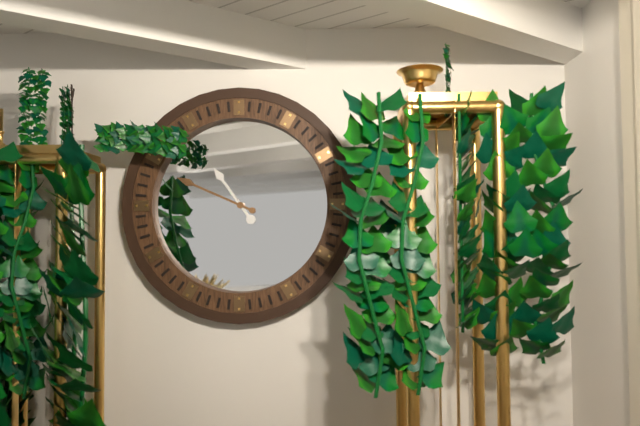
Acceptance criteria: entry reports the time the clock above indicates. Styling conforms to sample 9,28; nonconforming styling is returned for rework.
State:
10,49
